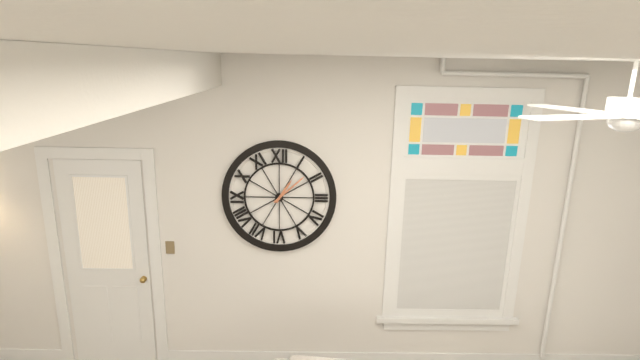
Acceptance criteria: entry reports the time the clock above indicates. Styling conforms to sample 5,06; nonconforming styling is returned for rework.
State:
1,08
